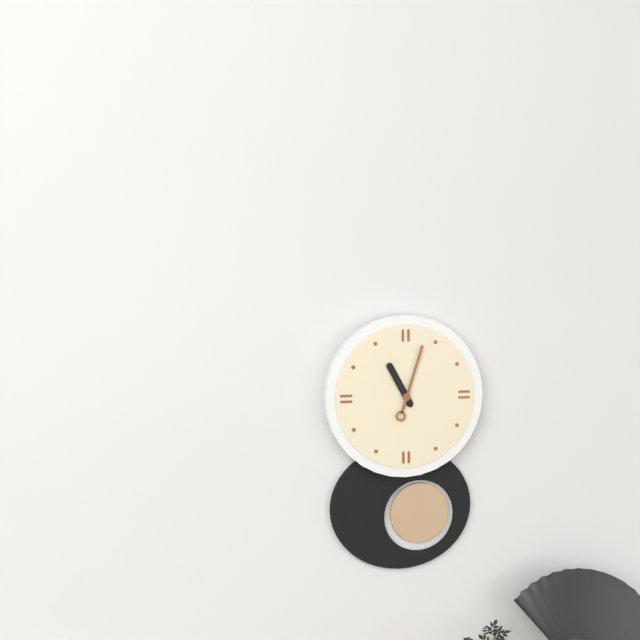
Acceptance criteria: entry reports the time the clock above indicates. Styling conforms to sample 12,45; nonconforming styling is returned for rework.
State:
11,03
